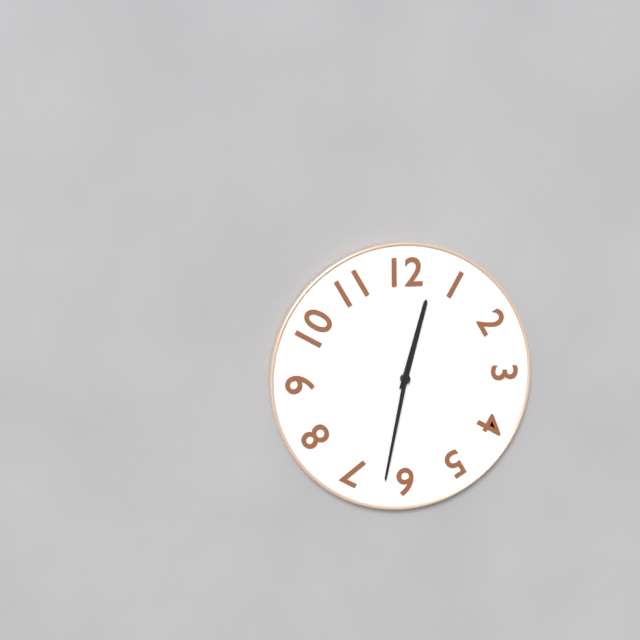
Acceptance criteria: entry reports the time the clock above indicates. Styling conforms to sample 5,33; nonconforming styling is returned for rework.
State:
12,32
